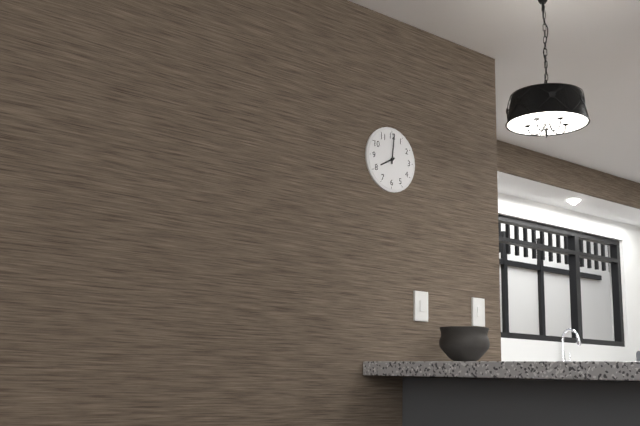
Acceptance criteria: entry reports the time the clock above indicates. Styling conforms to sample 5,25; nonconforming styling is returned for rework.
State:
8,01
